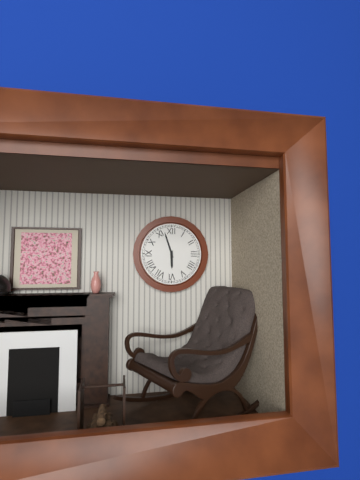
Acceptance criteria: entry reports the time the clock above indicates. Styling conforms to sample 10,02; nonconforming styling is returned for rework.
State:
5,57
